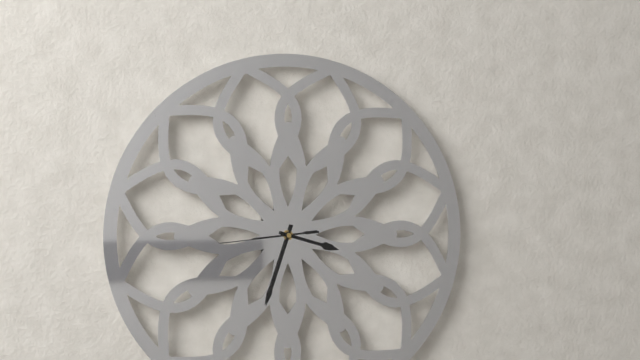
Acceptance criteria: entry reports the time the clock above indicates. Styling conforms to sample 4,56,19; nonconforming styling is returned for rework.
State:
3,33,44
